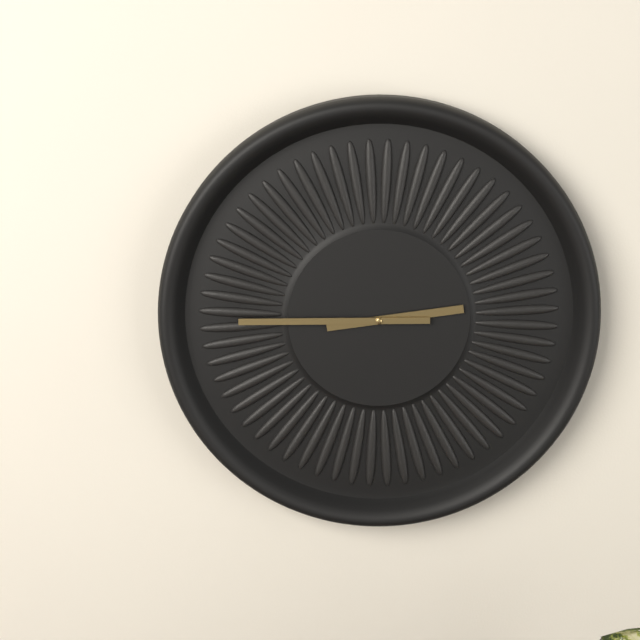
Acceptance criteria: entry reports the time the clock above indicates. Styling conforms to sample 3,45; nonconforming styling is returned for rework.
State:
2,45
